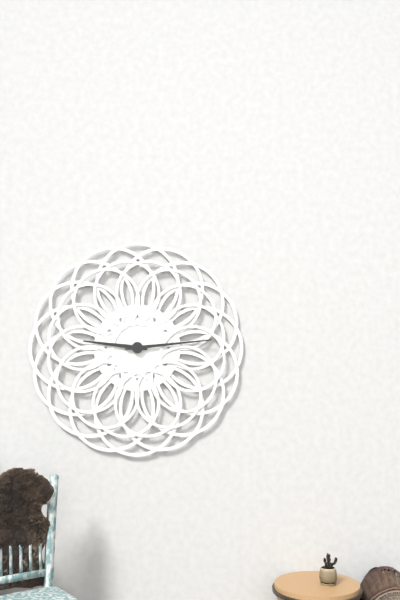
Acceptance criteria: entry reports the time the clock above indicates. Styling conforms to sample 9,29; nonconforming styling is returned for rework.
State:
9,14
